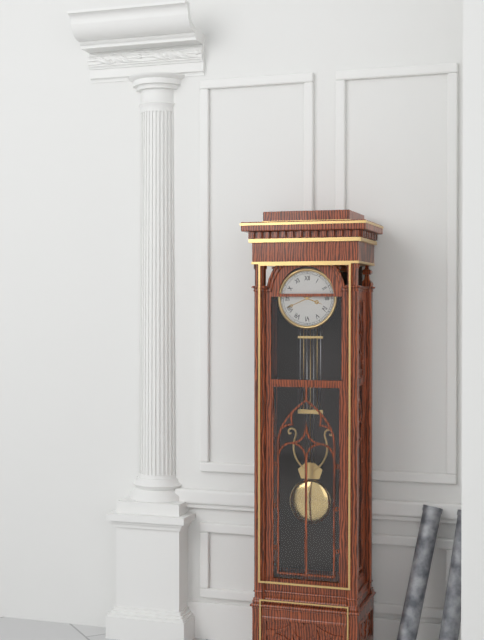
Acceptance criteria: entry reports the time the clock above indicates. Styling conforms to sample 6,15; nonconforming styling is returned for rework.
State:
3,41
